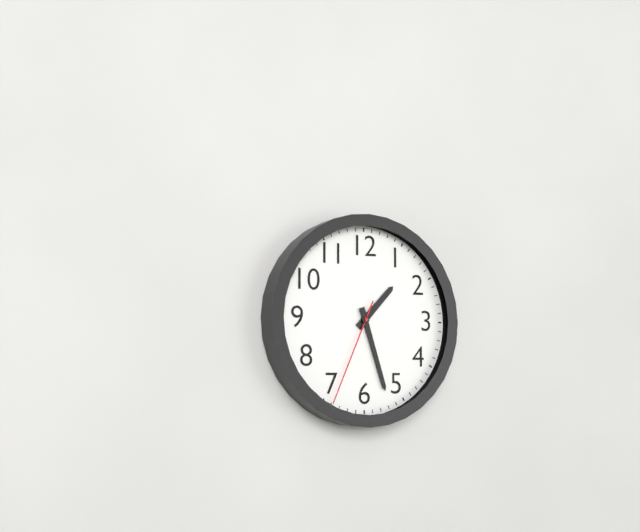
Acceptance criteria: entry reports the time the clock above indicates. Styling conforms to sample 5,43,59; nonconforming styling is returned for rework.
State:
1,27,34
